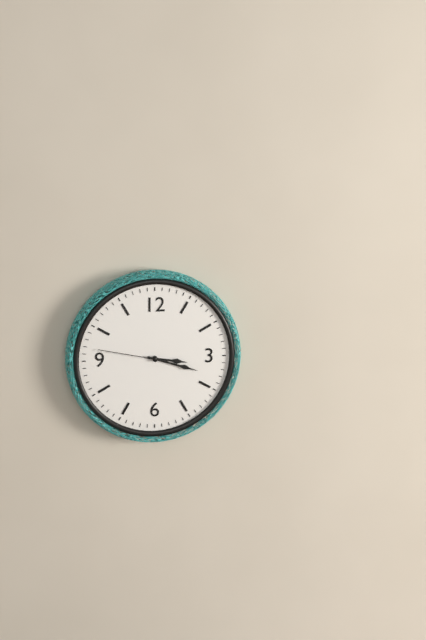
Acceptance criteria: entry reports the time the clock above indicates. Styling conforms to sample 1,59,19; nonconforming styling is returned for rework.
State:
3,18,47
